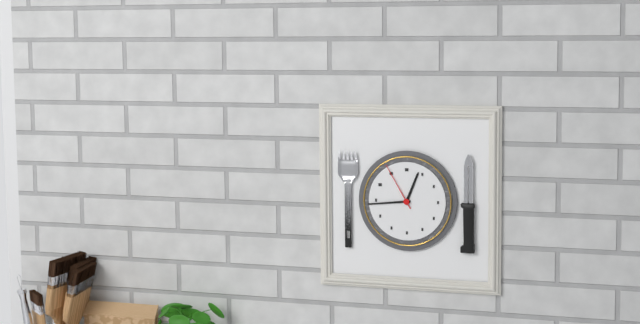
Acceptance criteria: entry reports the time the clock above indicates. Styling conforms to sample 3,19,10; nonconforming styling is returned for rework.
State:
12,44,55
